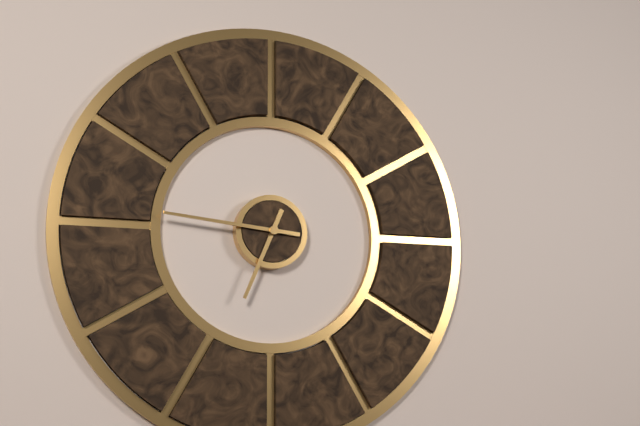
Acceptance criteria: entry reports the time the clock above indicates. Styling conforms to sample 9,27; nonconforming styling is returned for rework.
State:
6,46
